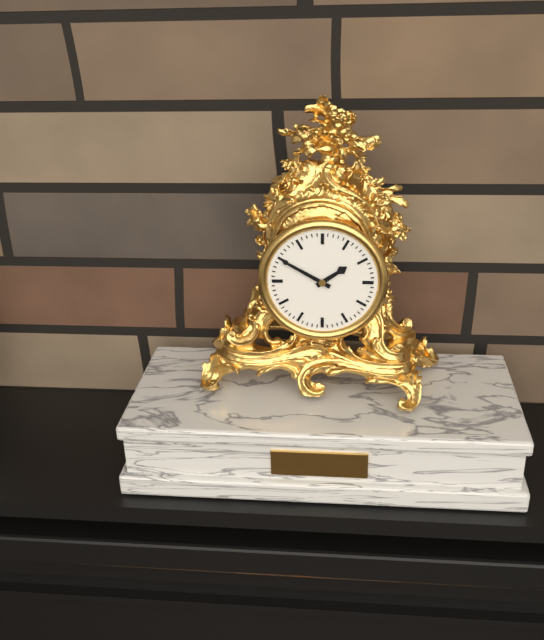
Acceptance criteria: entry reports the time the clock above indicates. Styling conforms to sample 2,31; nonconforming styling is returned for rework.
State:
1,50
